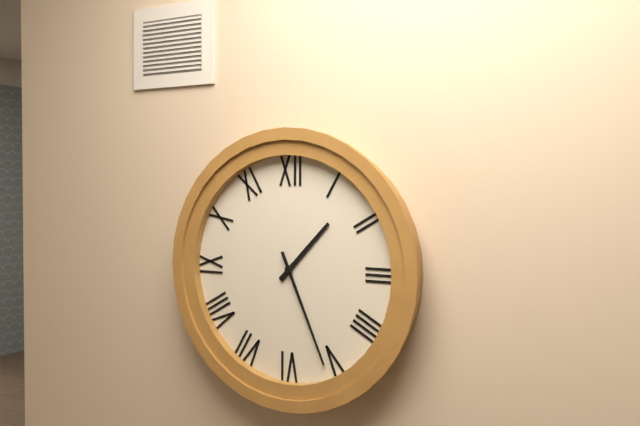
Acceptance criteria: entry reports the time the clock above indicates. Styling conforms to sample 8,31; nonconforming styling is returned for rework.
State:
1,26
